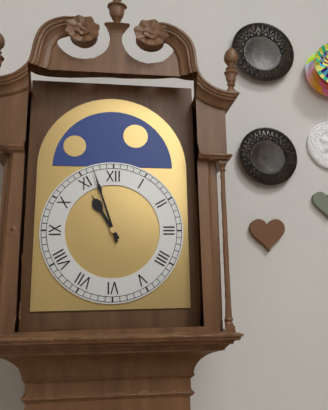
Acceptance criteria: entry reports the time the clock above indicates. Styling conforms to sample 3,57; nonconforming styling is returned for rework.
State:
10,57
